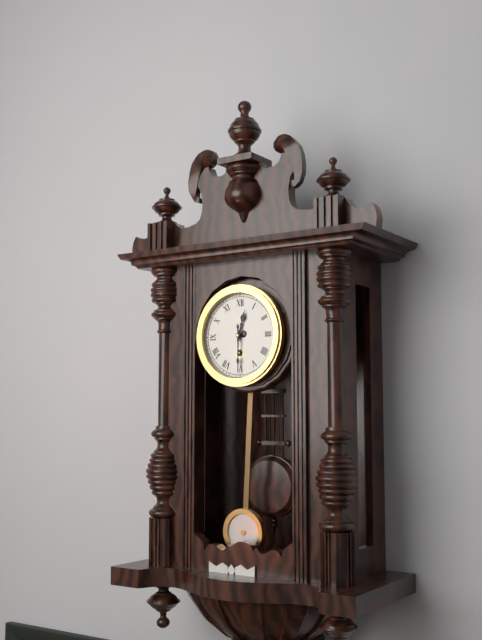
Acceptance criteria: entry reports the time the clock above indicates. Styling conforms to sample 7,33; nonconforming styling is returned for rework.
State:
12,30
